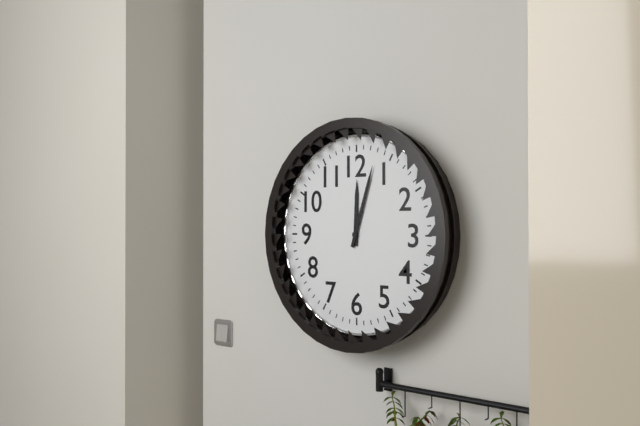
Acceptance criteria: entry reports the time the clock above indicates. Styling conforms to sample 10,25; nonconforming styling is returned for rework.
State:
12,03
